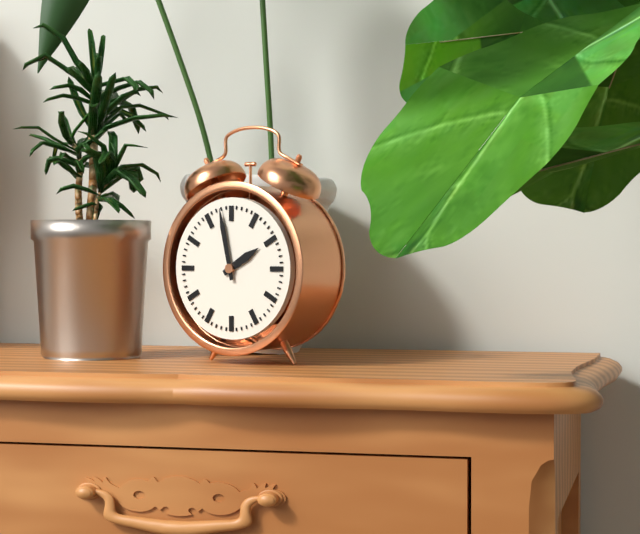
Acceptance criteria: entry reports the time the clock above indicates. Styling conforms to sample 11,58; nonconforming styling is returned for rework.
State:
1,58
